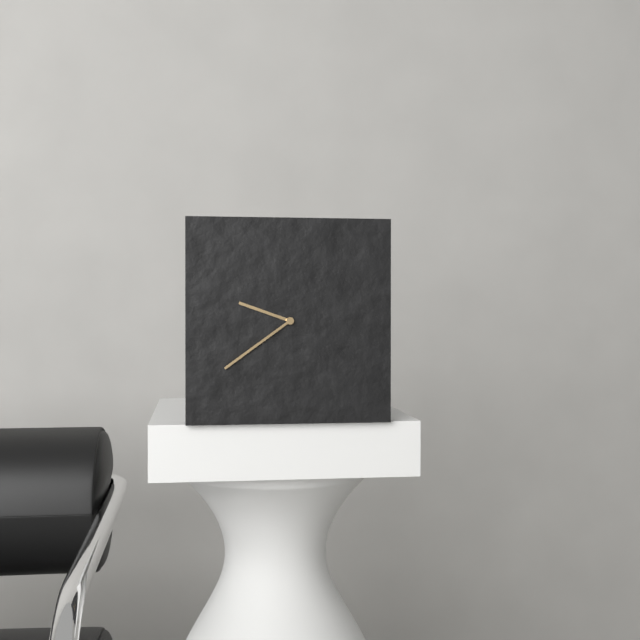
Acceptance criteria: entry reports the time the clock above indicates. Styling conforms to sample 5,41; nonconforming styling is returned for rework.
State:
9,39
